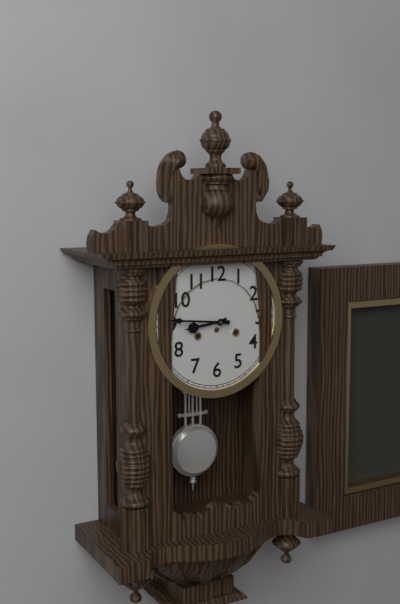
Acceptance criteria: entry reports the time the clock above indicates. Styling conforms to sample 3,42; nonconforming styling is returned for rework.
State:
8,46
